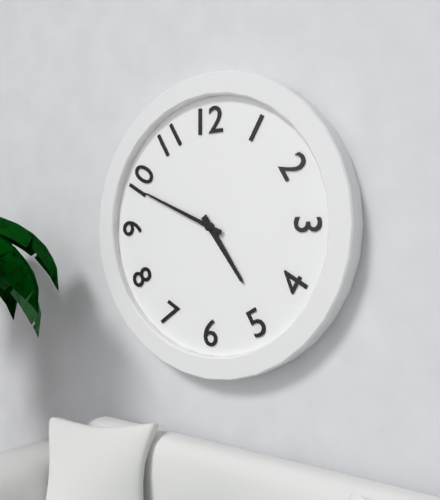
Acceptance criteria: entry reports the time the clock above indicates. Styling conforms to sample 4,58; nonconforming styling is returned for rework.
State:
4,49
